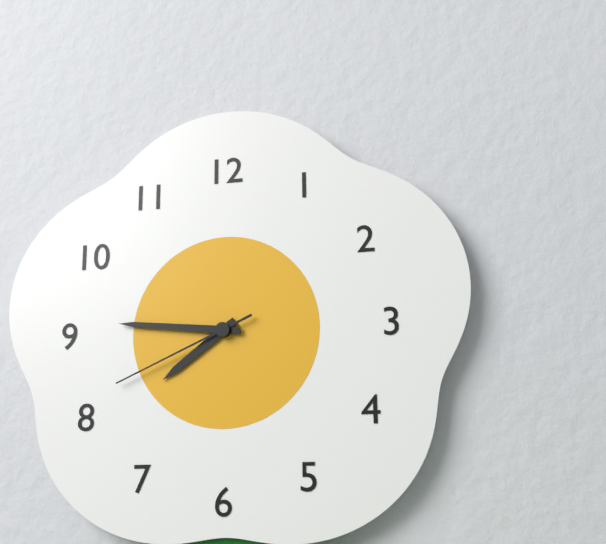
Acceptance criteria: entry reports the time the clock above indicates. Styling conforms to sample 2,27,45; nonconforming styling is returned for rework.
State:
7,46,41
